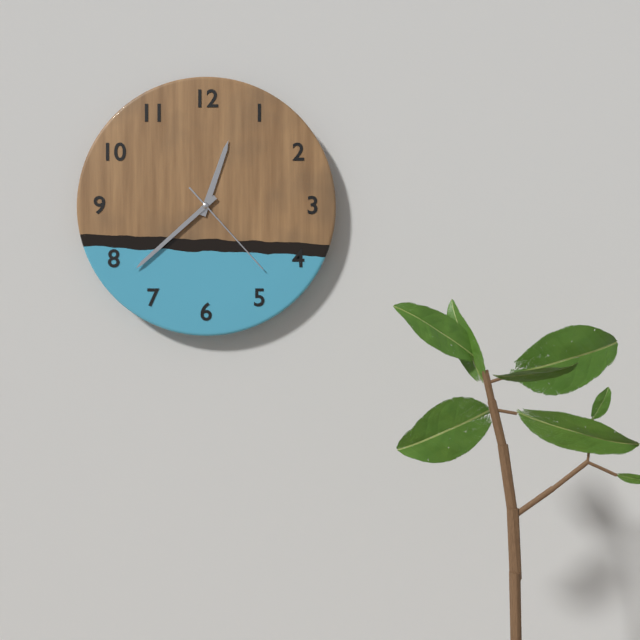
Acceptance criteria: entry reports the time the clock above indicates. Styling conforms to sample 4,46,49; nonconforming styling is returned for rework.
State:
12,38,23
